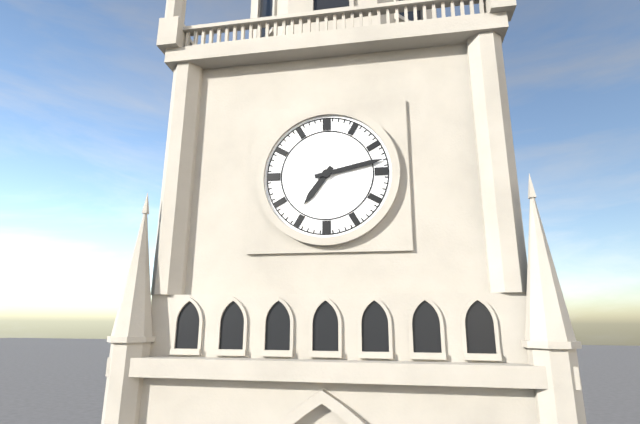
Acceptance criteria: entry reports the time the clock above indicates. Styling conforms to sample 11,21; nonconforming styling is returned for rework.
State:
7,13
